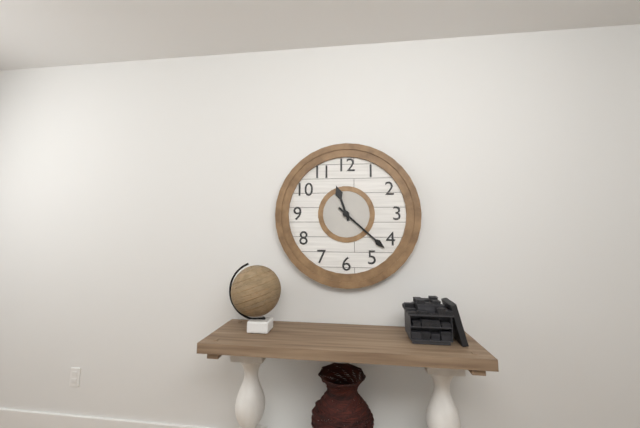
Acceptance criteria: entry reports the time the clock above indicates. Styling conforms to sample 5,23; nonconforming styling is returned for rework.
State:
11,22
